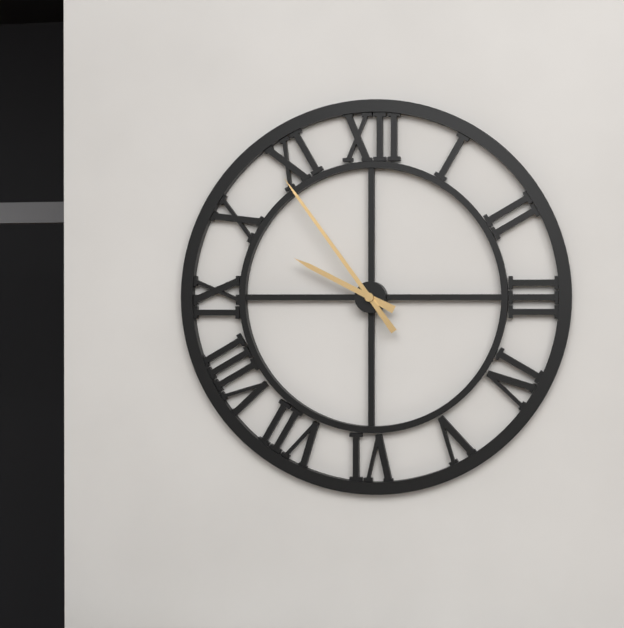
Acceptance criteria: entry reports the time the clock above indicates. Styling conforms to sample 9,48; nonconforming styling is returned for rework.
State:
9,54
